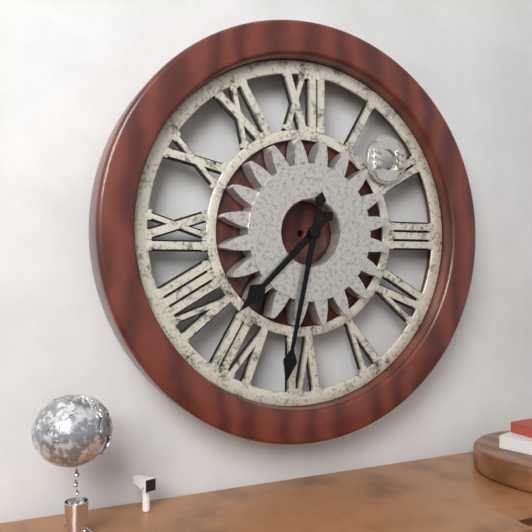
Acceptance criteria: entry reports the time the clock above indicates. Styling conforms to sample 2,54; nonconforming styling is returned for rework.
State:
7,32
